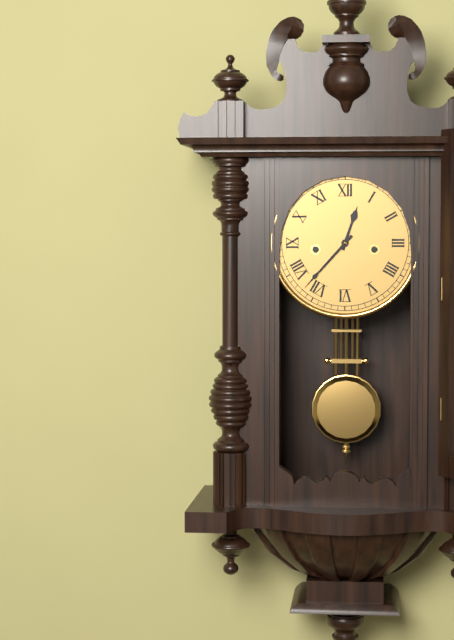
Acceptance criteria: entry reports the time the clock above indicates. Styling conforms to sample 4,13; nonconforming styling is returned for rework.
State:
12,37
